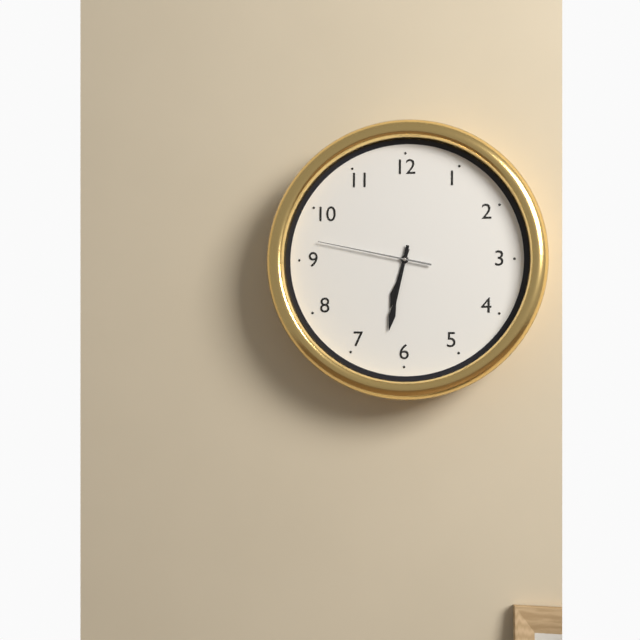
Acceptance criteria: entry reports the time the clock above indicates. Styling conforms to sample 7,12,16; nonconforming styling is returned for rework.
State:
6,32,47
